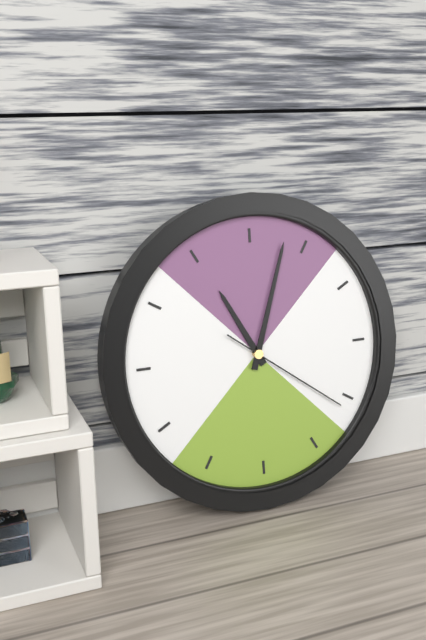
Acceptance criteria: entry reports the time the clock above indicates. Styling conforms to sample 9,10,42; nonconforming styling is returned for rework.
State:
11,03,21
